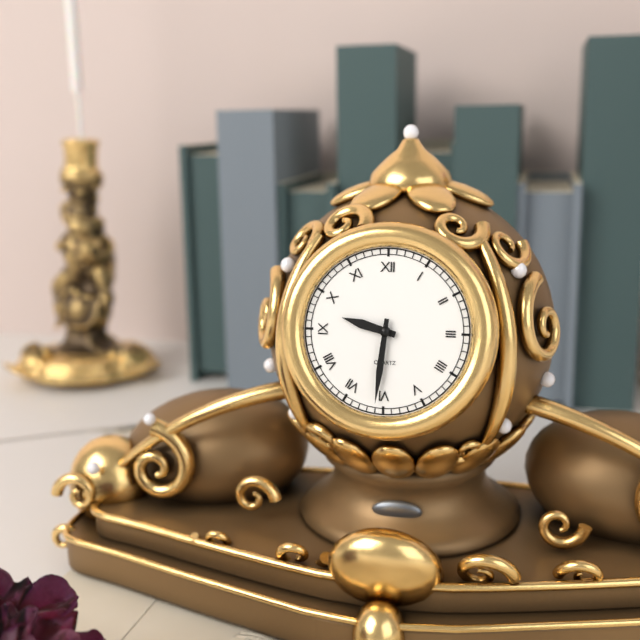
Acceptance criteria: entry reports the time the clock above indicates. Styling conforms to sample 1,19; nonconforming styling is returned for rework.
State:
9,31
